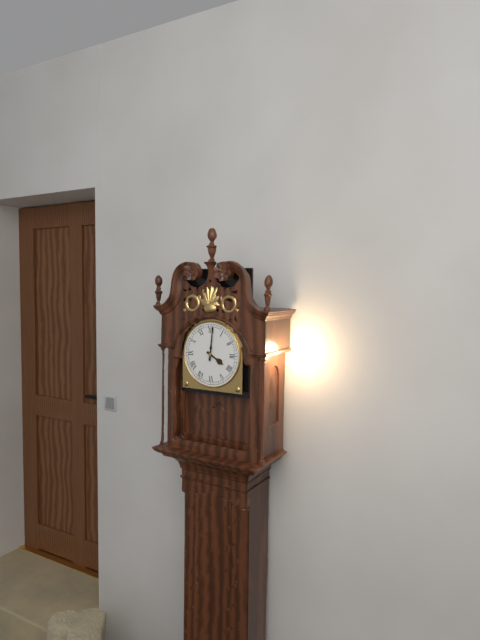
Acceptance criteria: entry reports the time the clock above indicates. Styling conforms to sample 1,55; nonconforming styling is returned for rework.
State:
4,01
